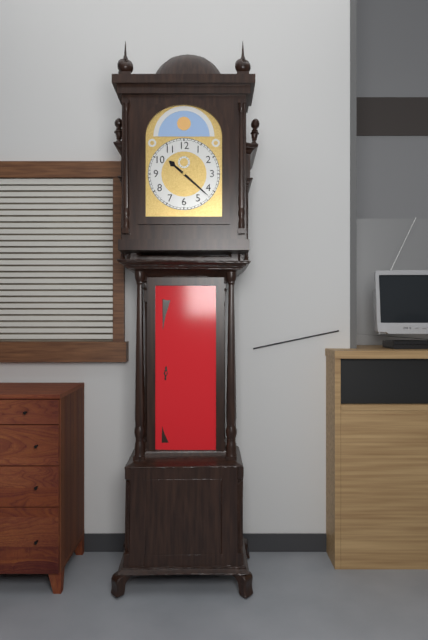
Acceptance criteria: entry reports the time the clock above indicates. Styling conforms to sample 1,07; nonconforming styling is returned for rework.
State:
10,22
